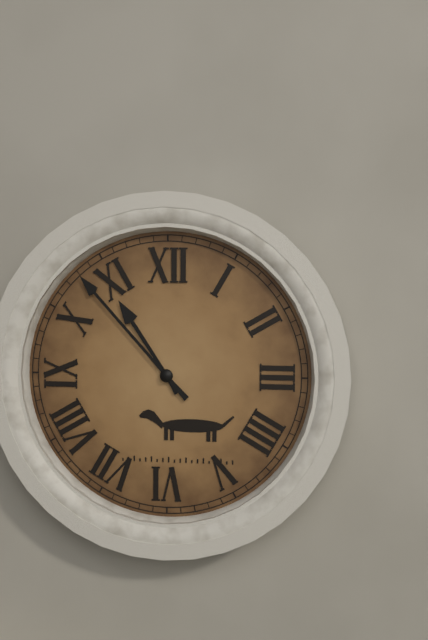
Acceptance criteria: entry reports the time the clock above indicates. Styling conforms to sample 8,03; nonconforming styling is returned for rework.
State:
10,53
